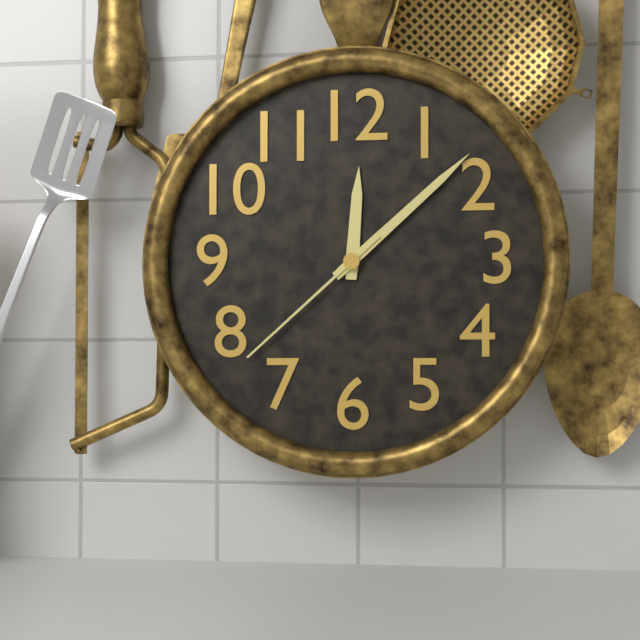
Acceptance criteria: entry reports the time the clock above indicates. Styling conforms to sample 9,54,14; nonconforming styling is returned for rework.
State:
12,08,38
